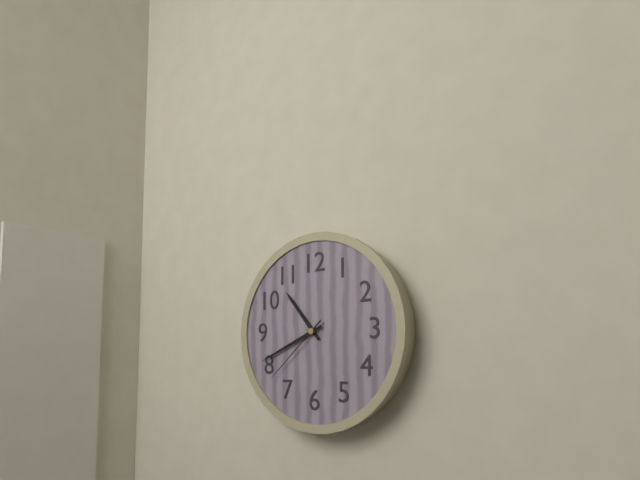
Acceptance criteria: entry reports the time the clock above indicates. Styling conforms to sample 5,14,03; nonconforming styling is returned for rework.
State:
10,41,38
